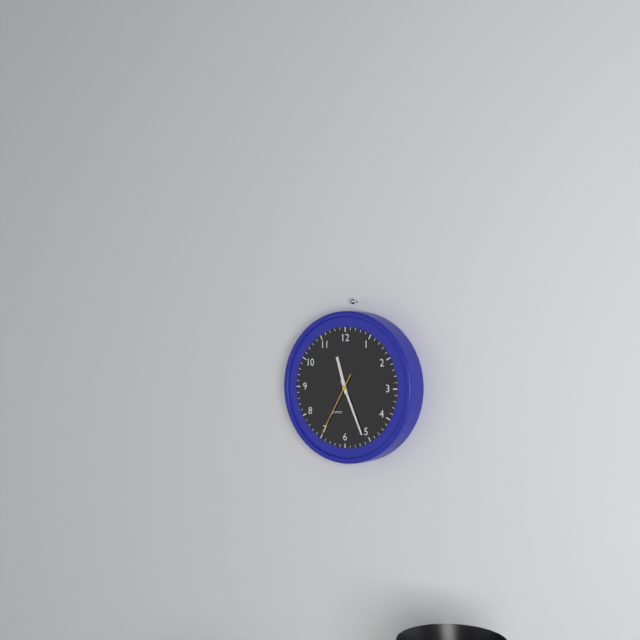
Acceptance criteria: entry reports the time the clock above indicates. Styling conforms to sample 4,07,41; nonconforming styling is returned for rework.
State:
11,26,35
